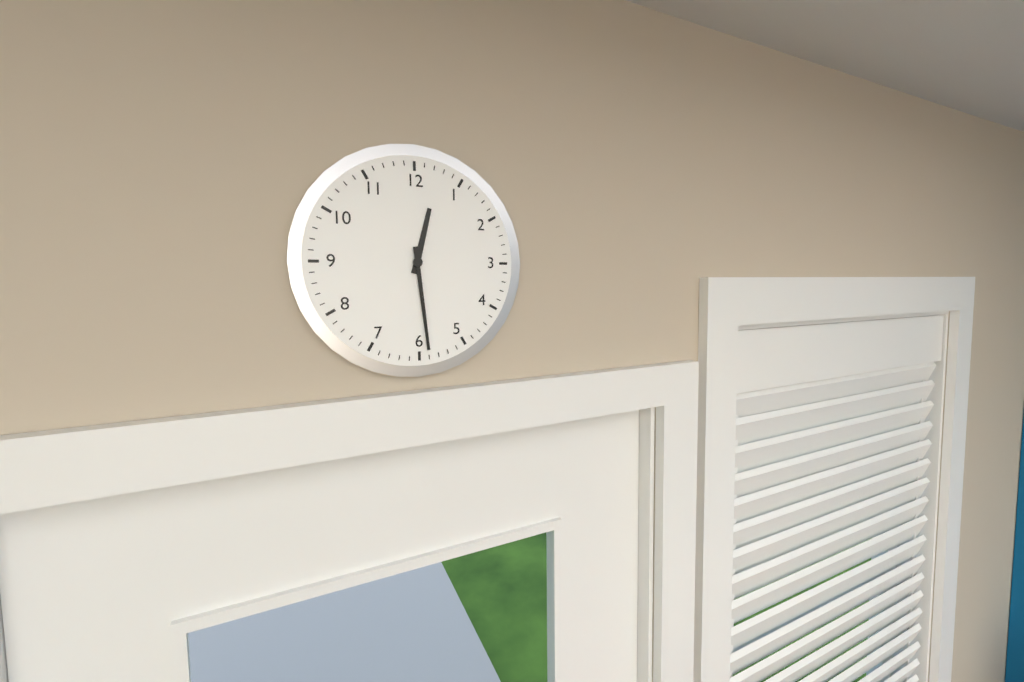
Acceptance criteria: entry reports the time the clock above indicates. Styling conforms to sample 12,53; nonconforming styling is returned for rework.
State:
12,29
